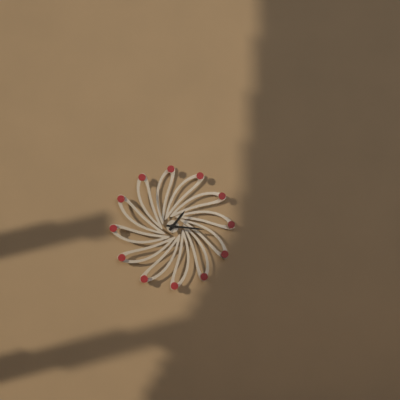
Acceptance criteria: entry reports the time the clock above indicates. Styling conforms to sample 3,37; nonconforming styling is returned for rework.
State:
1,16
